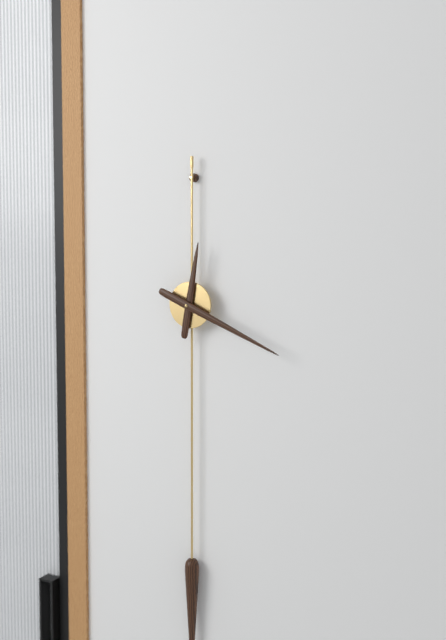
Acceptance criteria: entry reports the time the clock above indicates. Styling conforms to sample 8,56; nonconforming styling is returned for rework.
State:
12,19
